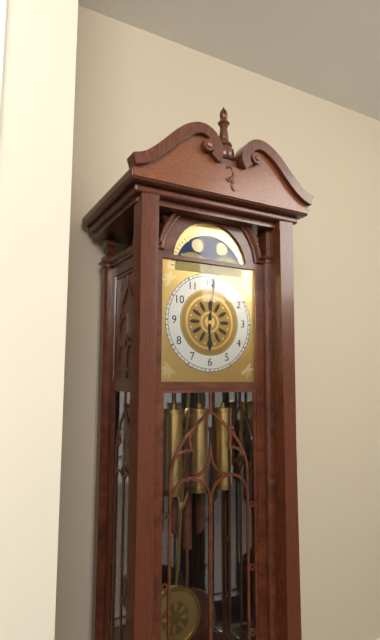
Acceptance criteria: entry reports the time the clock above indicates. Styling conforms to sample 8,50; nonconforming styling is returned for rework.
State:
6,01
